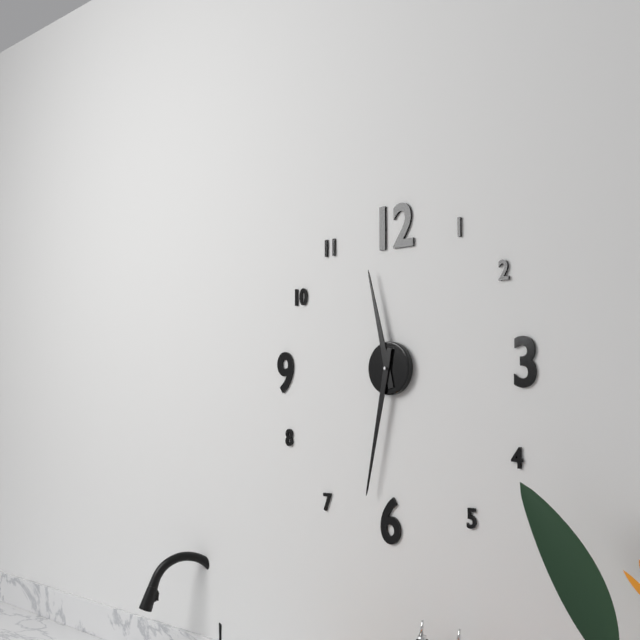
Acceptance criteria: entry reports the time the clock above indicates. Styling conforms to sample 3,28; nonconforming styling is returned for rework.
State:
11,32
